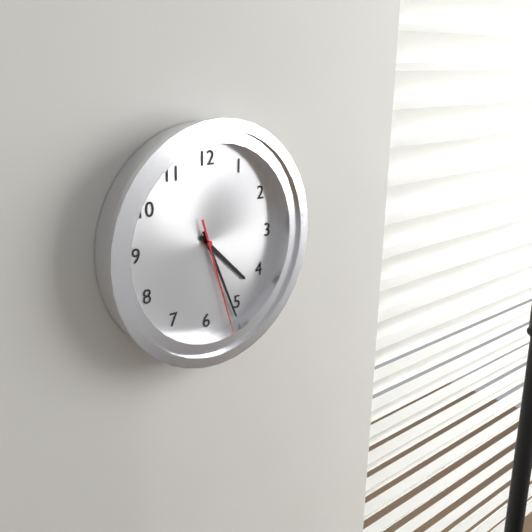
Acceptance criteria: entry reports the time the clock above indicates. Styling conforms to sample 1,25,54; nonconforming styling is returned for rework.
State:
4,26,27
